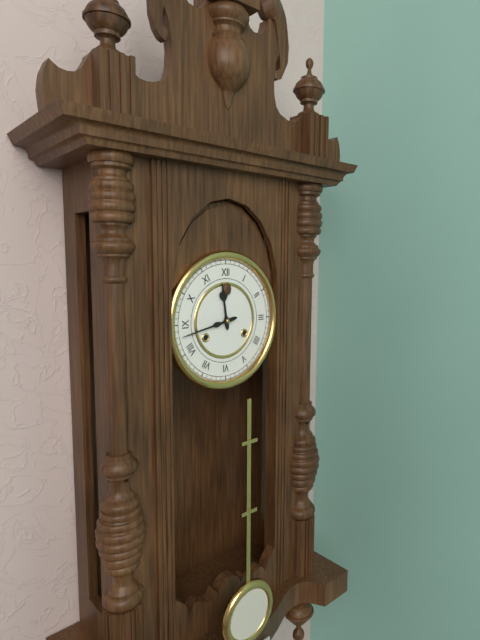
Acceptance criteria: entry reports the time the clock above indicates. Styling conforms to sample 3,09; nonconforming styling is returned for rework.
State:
11,43
